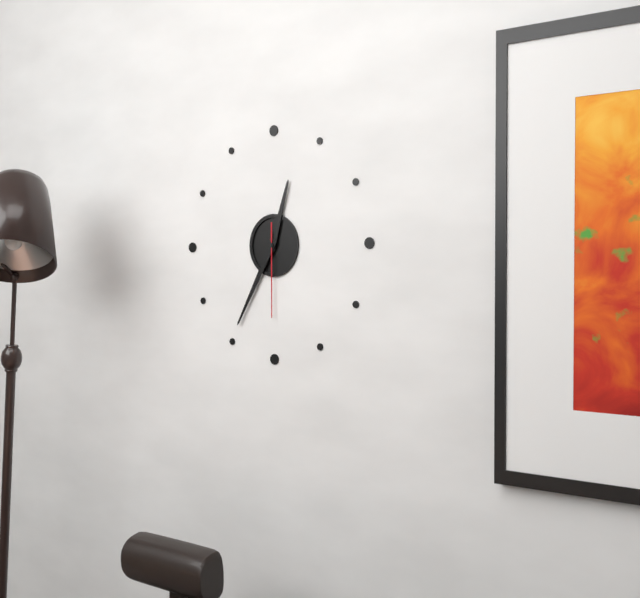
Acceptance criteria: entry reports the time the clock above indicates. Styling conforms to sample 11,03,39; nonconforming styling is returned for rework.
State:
12,35,30
